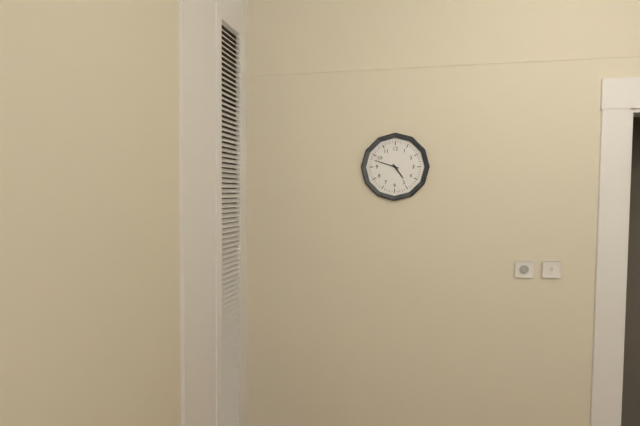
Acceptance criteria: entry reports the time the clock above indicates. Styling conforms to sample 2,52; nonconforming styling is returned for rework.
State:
4,48
